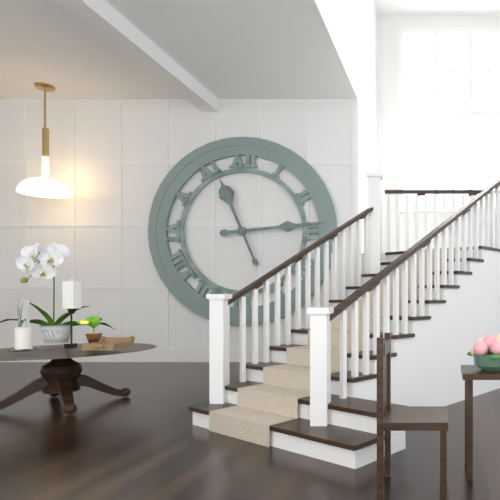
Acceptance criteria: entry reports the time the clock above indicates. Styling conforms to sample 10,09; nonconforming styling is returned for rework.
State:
11,14
